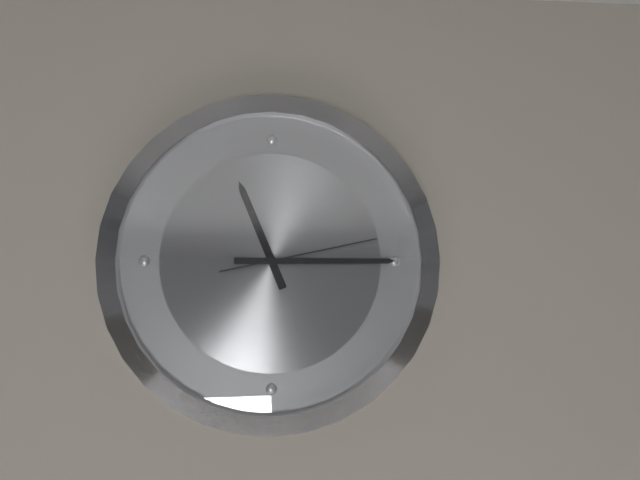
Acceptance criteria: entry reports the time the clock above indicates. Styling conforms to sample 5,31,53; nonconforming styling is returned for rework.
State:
11,15,13
